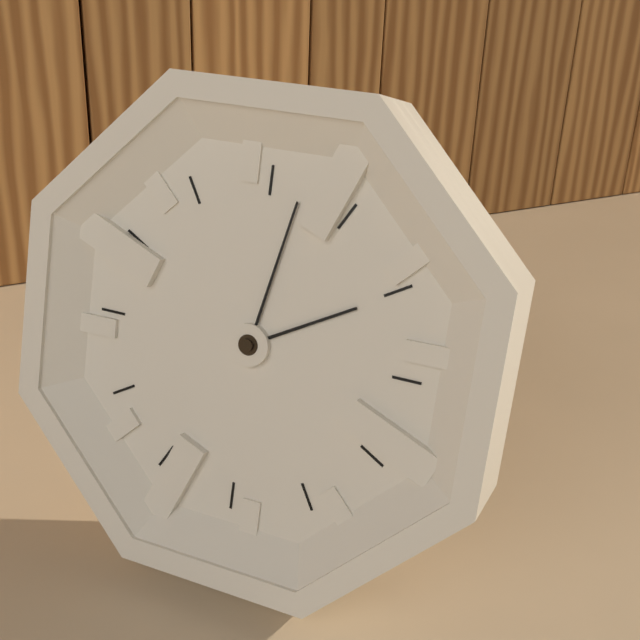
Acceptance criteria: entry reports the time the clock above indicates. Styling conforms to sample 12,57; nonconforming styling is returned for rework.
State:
2,02
